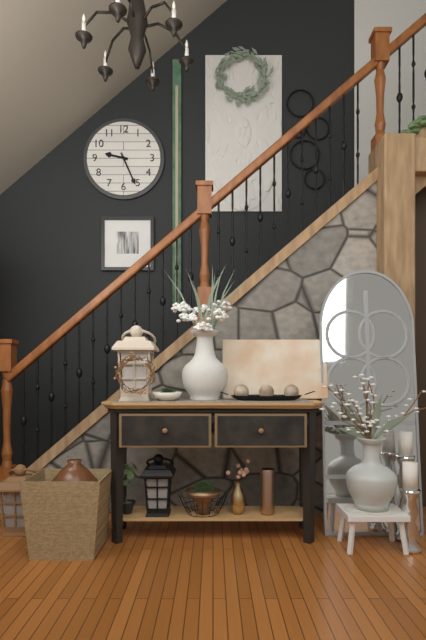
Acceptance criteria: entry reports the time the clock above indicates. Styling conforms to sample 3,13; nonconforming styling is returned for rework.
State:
9,26
